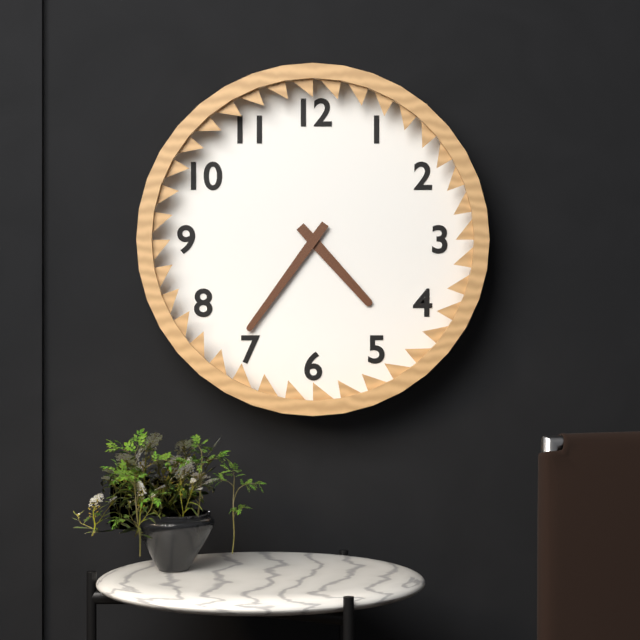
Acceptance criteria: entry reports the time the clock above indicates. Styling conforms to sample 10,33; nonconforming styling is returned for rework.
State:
4,36
